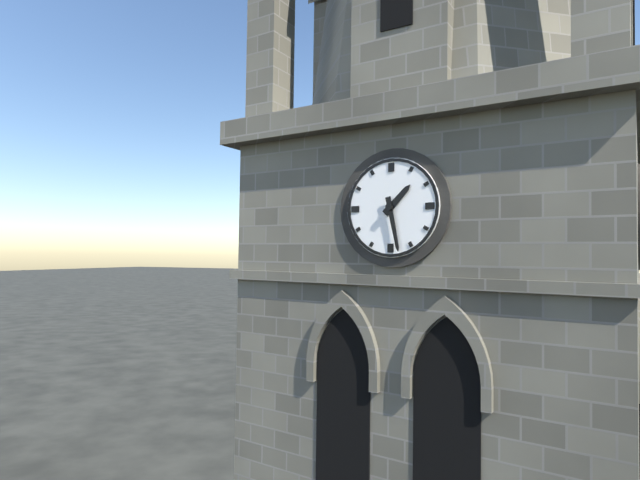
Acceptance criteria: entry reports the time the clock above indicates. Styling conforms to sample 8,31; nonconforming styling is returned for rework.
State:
1,28
